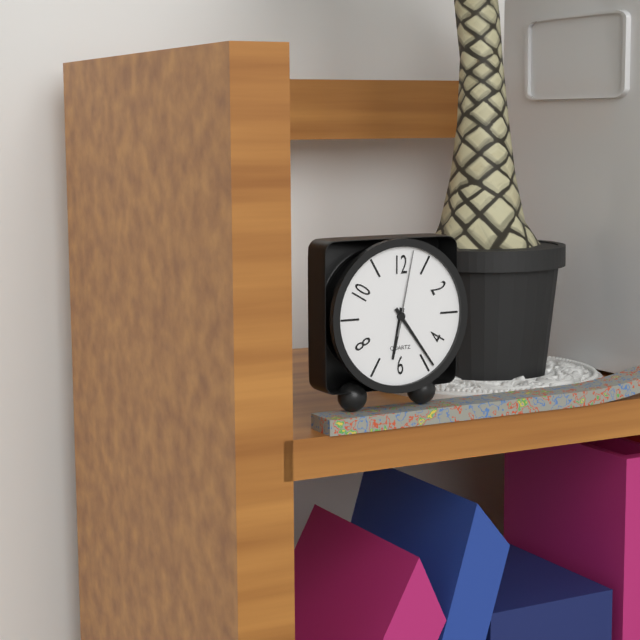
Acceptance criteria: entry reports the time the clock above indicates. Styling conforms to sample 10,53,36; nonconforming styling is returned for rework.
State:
6,24,02
